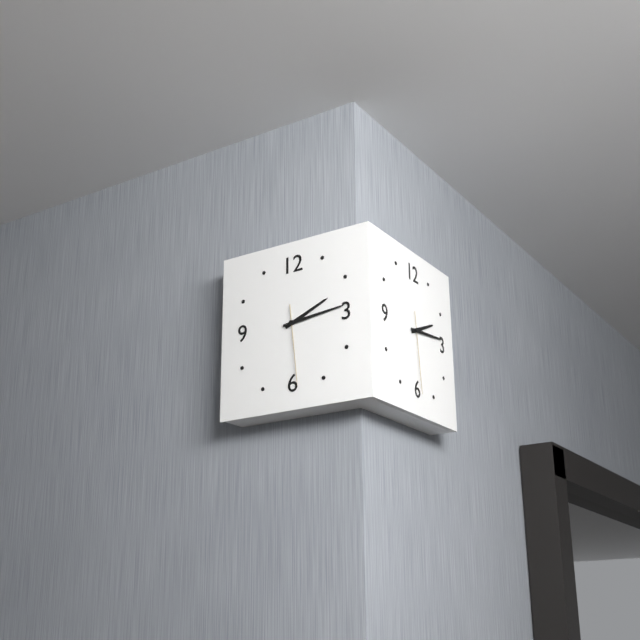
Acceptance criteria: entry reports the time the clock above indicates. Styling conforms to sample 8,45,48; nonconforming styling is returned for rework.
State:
2,14,29
